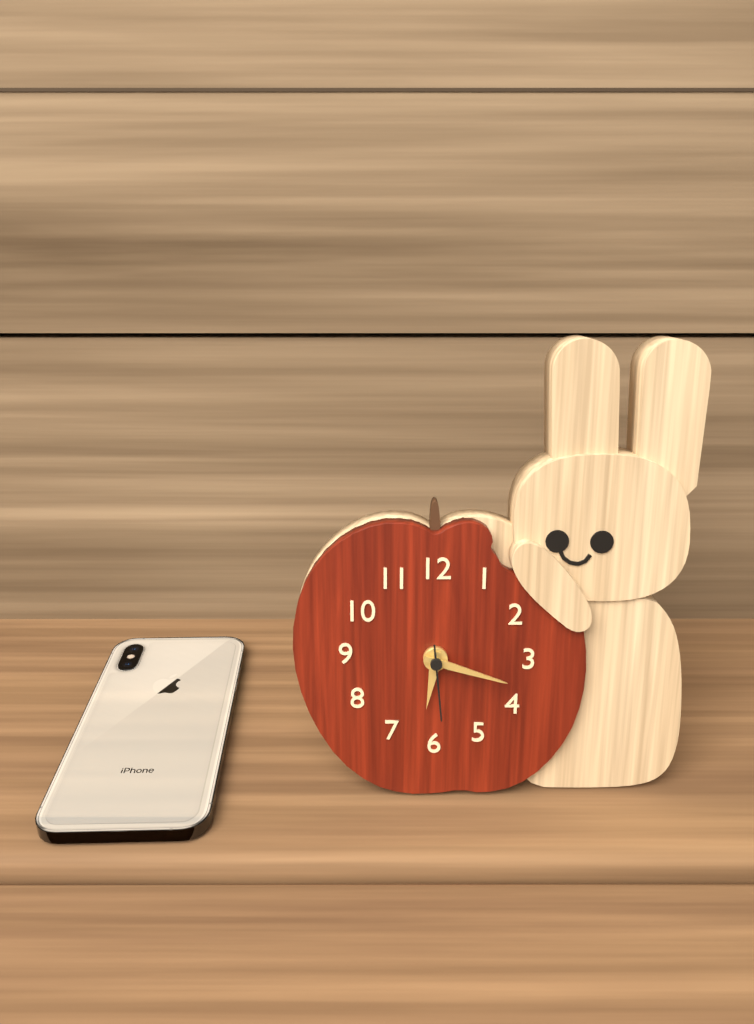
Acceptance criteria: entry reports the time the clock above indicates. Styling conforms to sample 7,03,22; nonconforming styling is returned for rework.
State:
6,18,29
